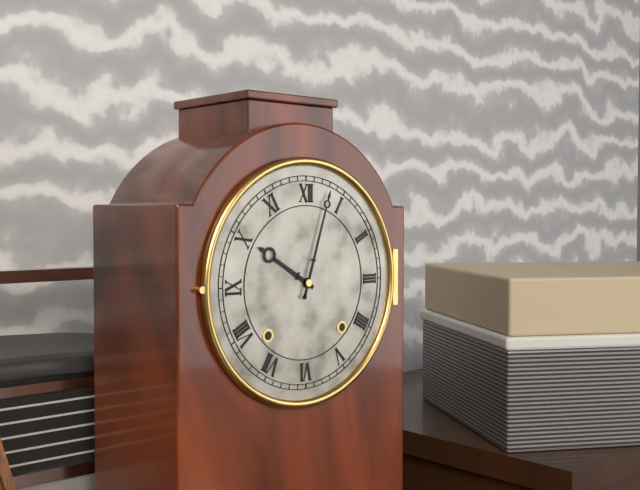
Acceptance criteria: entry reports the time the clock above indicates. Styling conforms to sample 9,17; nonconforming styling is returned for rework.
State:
10,03
